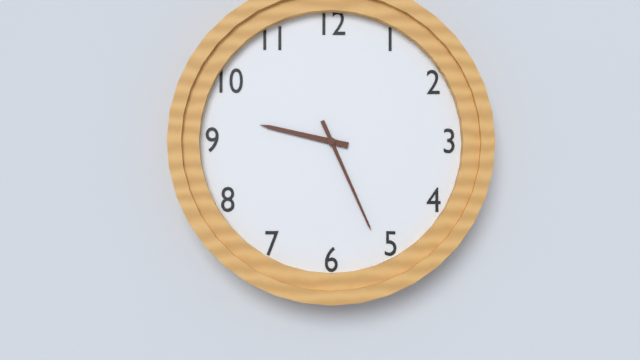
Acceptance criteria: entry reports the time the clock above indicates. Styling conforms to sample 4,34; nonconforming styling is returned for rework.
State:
9,26
